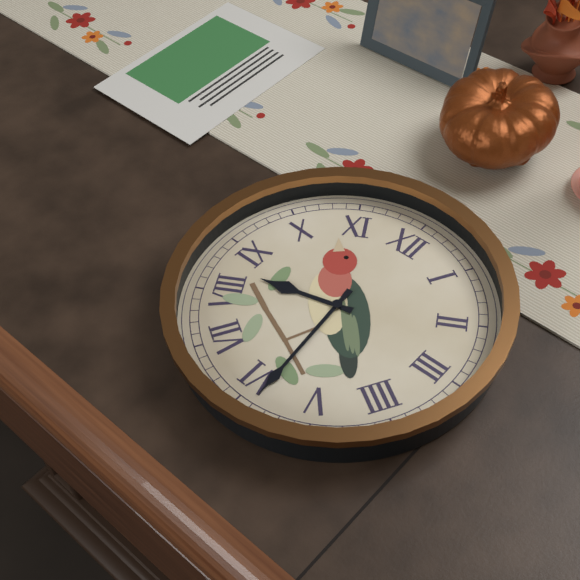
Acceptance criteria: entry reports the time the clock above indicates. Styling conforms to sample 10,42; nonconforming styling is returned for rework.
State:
8,29
